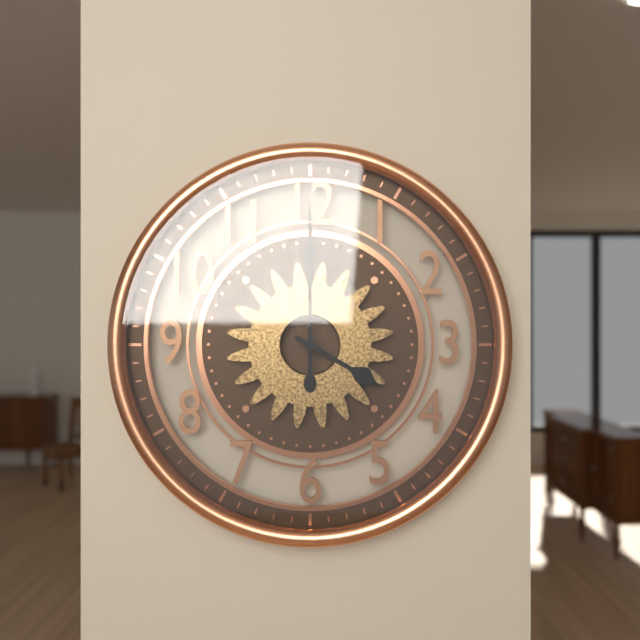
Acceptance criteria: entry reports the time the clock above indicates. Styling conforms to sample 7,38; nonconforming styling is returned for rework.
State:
4,00
